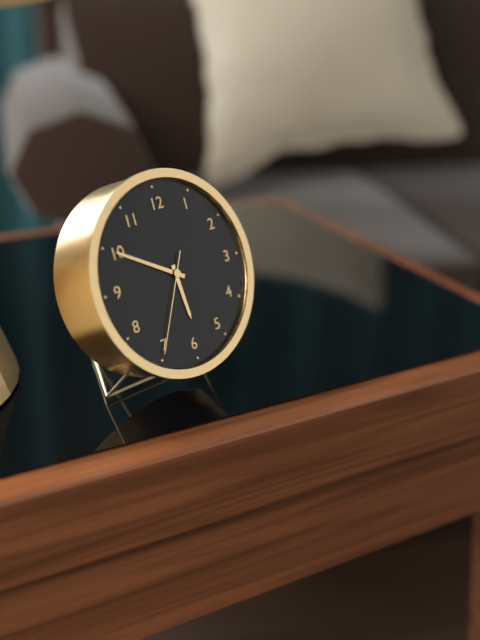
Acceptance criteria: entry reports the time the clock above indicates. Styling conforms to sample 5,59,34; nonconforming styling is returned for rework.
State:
5,50,35
